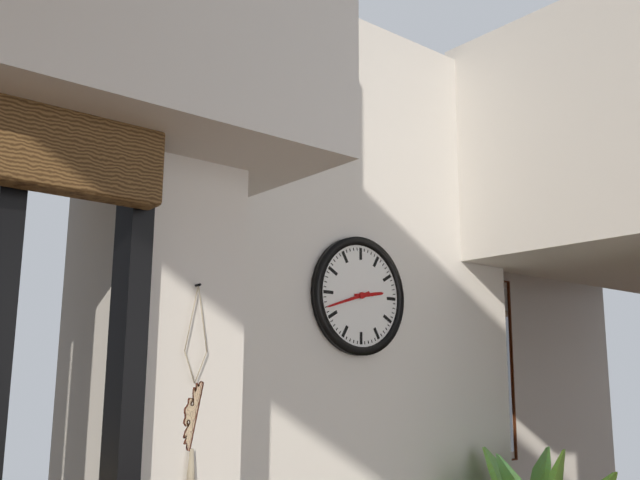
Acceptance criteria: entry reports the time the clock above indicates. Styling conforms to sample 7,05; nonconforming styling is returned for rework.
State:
2,42
